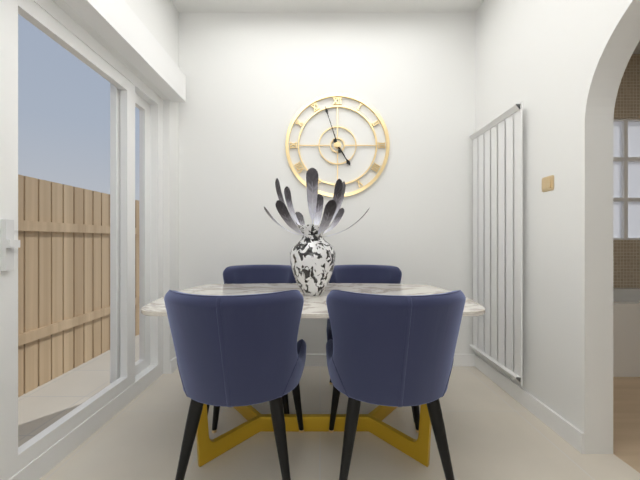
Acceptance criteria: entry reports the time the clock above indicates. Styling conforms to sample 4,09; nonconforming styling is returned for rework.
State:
4,57
